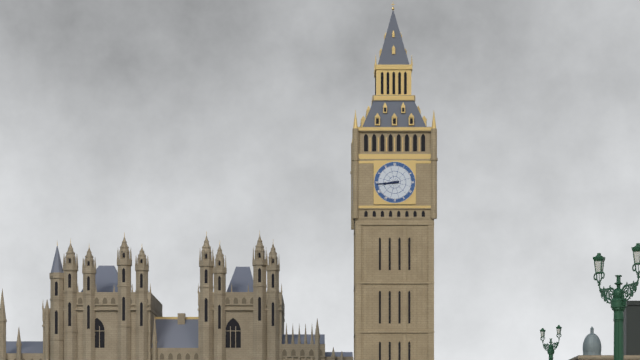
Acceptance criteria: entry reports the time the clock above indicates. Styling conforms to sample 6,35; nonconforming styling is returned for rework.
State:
8,44
